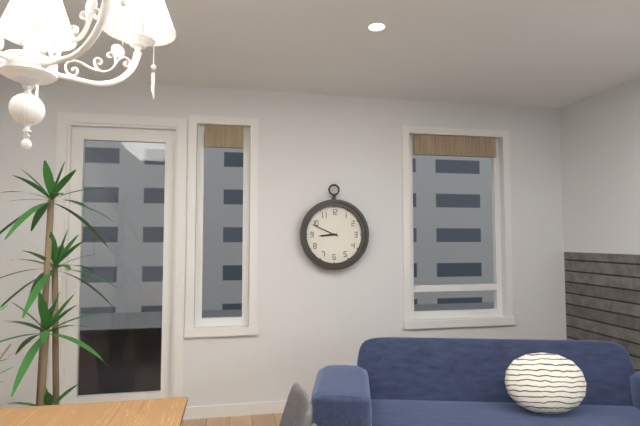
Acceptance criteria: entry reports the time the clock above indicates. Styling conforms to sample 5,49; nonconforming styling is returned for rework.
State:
8,49
